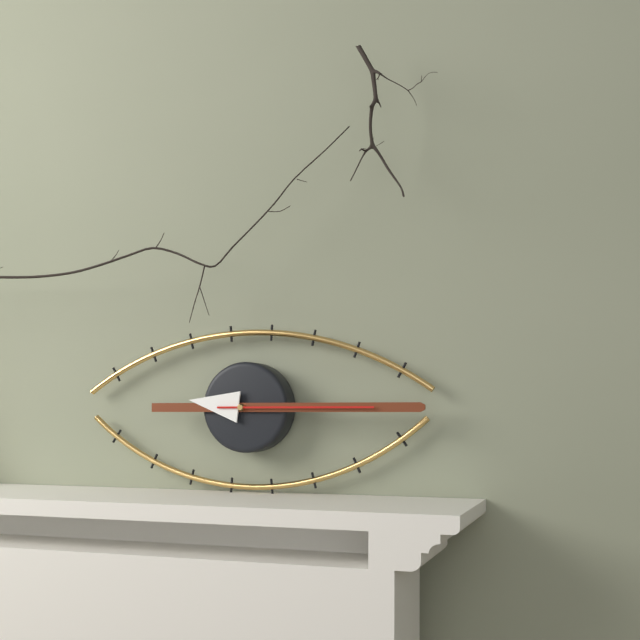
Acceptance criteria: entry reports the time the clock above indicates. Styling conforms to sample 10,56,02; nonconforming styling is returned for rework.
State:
9,15,15
